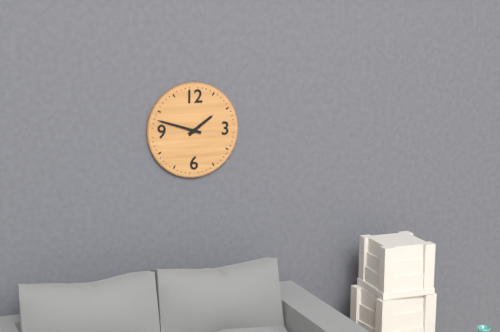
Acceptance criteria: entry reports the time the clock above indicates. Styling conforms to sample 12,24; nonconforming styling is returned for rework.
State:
1,48
